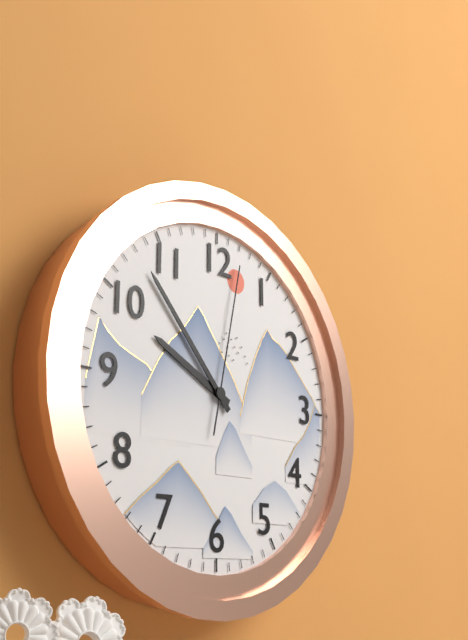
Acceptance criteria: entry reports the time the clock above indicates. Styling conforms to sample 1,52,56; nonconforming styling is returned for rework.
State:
9,53,02
